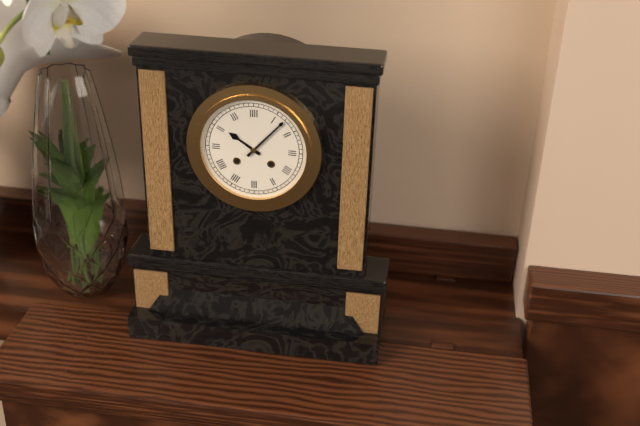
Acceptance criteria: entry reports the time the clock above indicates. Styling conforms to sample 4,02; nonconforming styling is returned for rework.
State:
10,07
